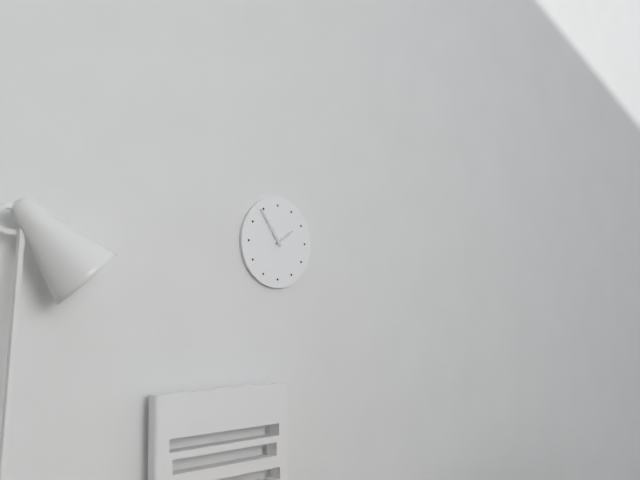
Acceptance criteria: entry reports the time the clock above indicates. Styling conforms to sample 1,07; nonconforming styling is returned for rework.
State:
1,54
